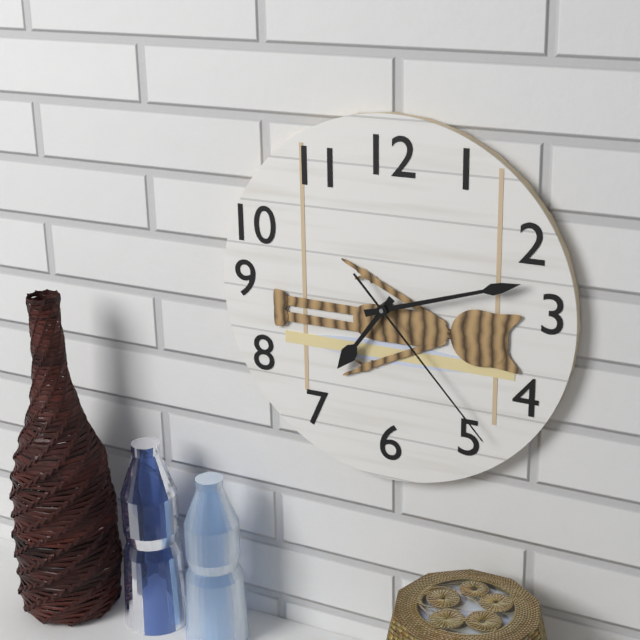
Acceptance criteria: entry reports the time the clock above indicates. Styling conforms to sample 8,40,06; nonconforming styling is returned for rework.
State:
7,12,23
